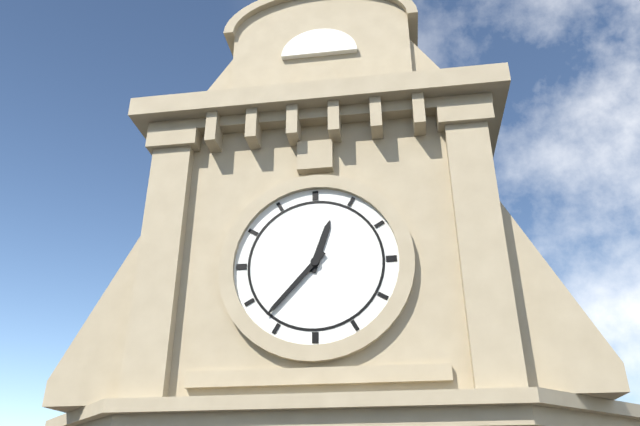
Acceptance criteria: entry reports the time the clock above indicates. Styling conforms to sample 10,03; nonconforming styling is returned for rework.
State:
12,37
